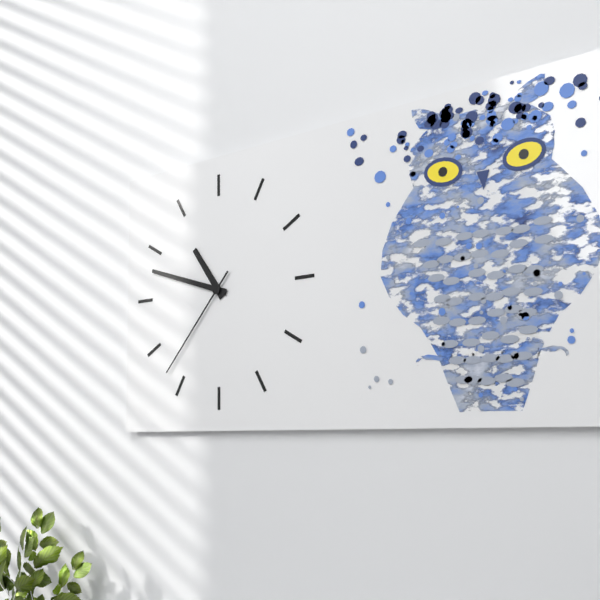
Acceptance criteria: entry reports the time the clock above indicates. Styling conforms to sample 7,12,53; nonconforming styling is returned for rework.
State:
10,48,37
